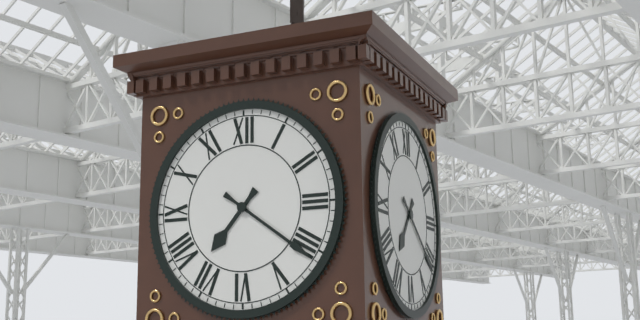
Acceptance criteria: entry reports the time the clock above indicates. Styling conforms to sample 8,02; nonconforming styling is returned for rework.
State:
7,21
